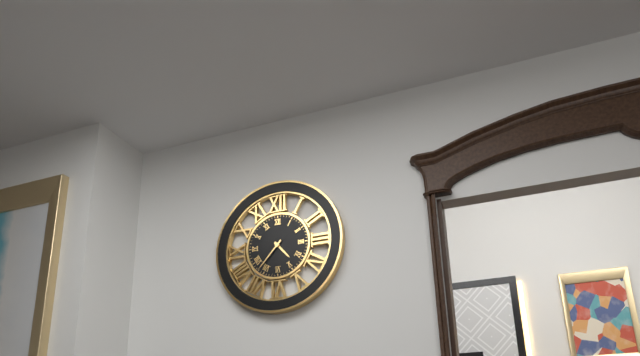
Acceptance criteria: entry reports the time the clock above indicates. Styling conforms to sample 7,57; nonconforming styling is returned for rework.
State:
4,37
